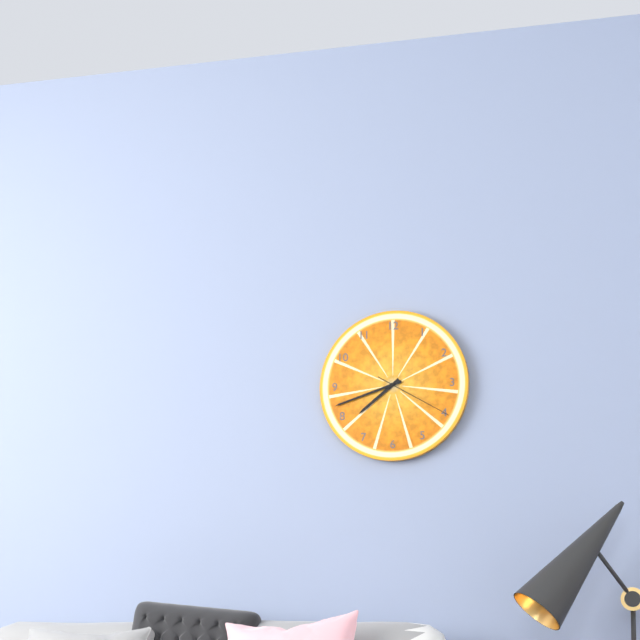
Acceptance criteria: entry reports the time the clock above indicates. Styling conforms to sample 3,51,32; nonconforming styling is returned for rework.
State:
7,42,20
